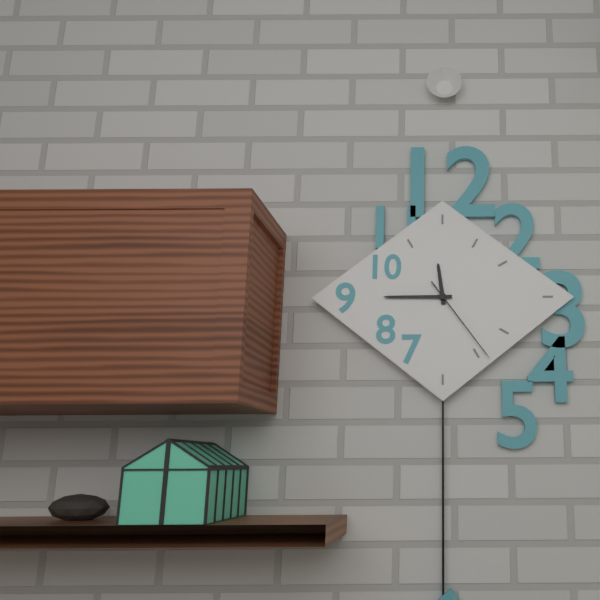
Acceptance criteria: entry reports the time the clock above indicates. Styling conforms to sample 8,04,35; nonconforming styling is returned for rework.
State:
11,45,24
